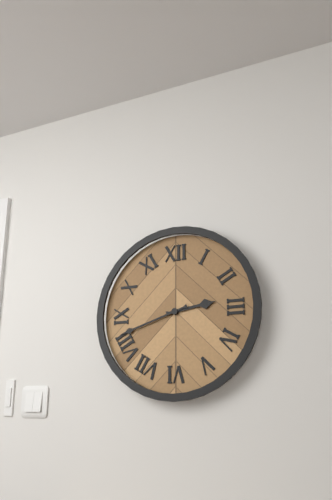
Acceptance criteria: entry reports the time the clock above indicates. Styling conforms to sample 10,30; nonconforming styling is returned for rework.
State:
2,42
